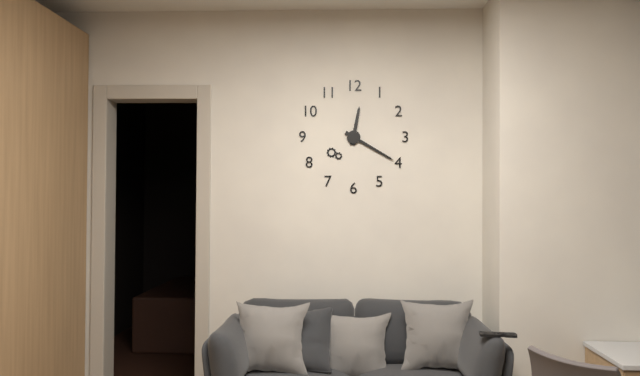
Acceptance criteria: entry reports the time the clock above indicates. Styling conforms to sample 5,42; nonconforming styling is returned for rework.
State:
12,20
